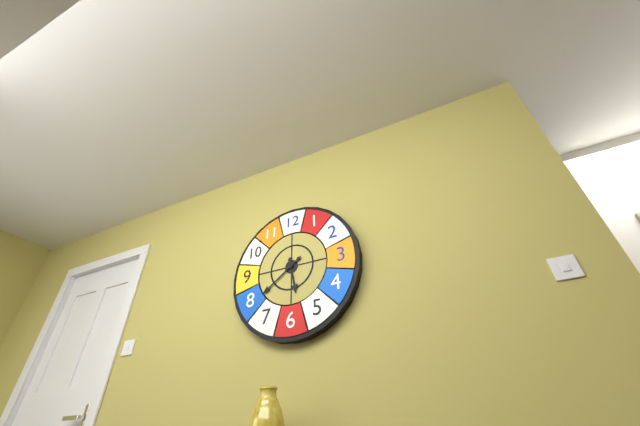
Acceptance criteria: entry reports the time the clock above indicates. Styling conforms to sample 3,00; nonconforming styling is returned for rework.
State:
5,39
